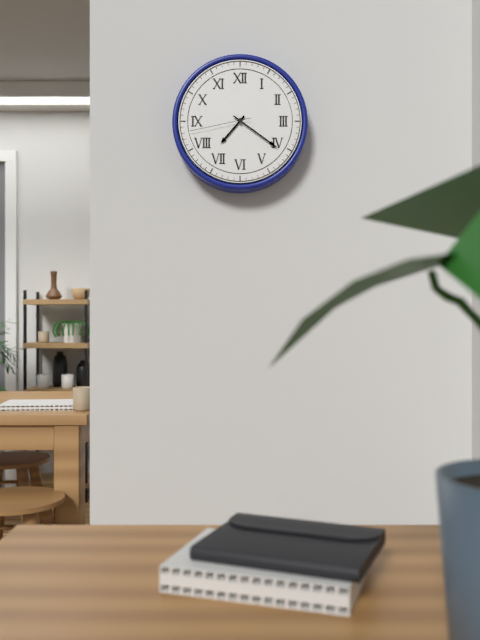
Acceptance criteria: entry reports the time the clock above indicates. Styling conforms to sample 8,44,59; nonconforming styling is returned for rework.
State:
7,21,43
